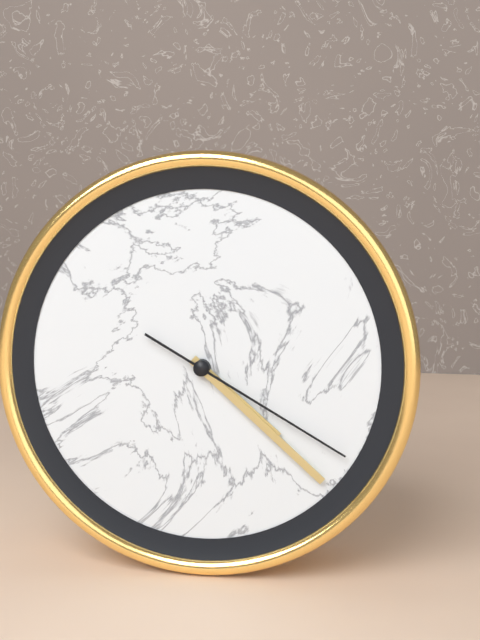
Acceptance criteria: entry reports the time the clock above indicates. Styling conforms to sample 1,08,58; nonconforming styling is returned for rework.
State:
4,22,20
